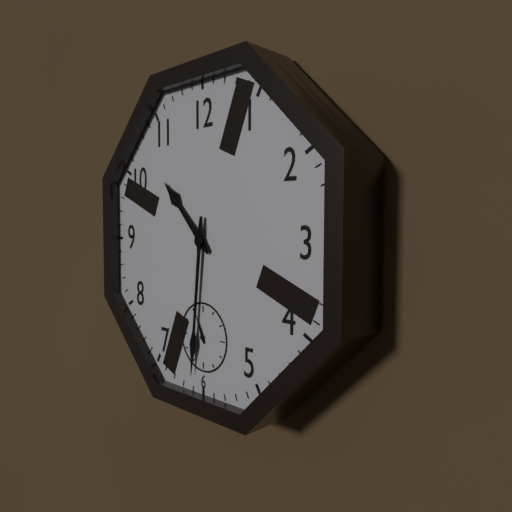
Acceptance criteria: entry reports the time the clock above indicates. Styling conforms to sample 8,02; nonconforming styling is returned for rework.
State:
10,31
